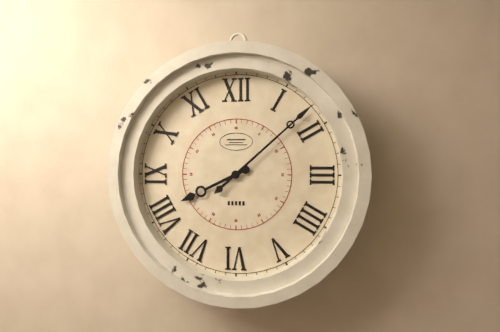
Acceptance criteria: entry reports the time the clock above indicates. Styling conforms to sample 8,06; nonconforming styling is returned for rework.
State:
8,08
